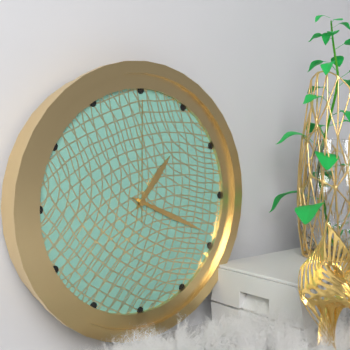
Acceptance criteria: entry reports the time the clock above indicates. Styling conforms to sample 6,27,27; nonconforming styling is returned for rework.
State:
1,19,00
